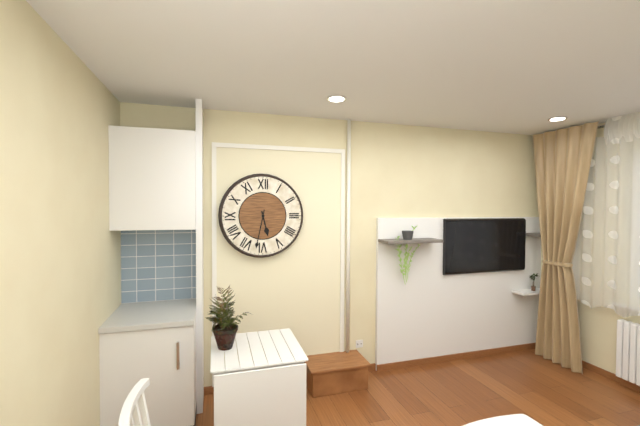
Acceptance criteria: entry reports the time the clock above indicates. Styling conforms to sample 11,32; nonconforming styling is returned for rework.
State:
5,32
